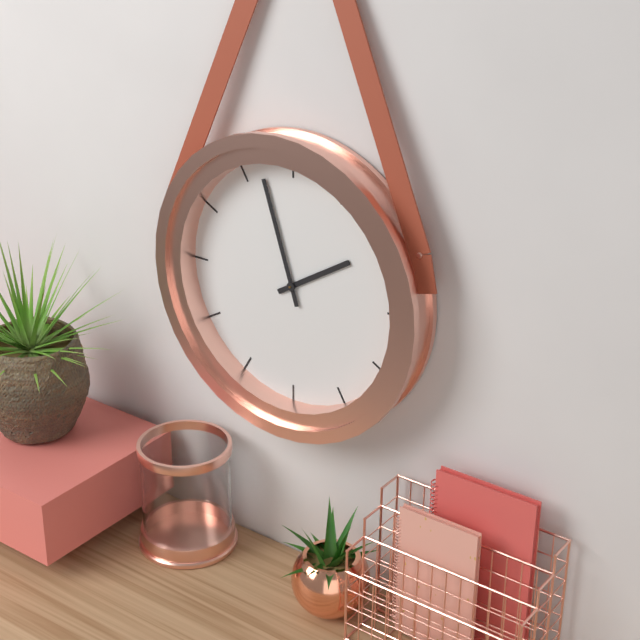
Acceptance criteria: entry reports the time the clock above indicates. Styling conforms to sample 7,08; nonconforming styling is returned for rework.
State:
1,57
